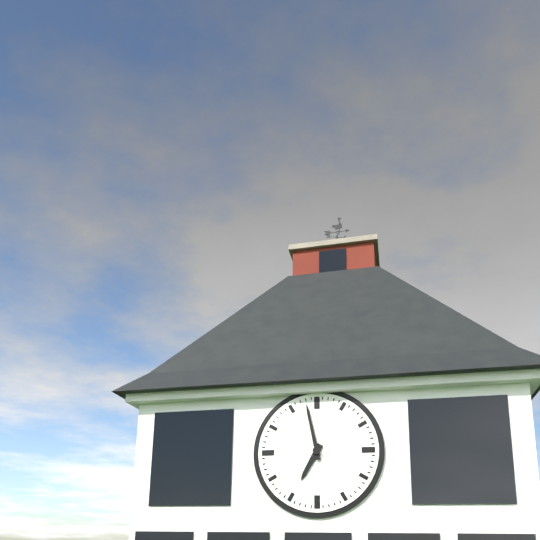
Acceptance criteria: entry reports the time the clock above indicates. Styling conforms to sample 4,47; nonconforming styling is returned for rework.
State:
6,58
